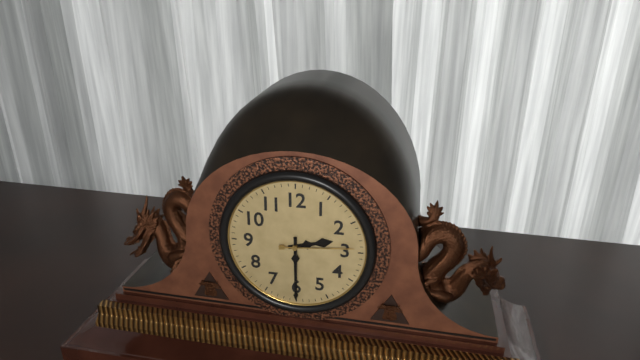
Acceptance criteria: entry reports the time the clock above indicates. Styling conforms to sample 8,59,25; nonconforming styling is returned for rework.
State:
2,30,14
